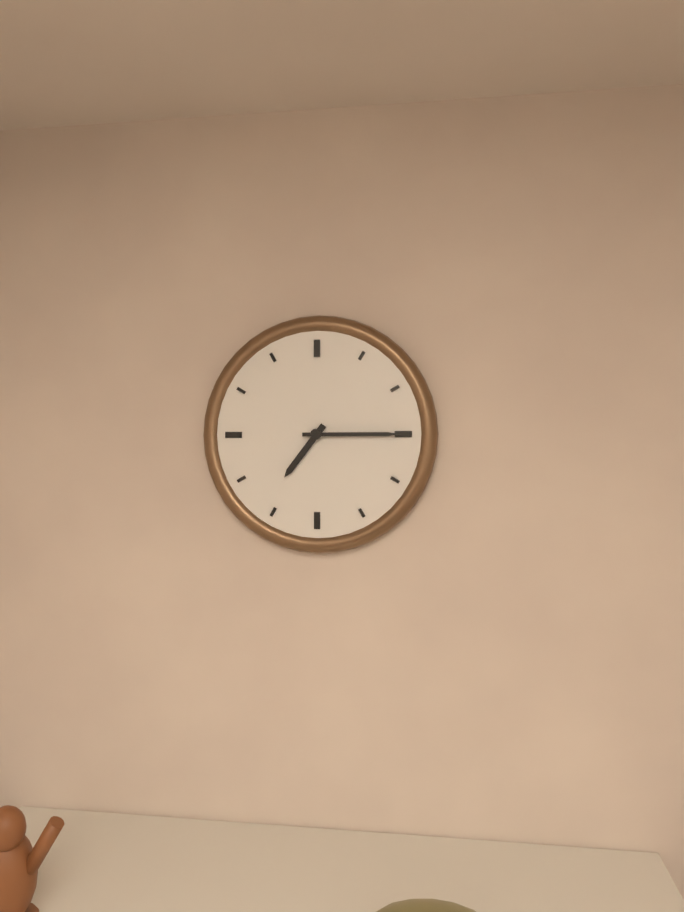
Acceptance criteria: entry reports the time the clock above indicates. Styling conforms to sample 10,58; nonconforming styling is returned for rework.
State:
7,15
